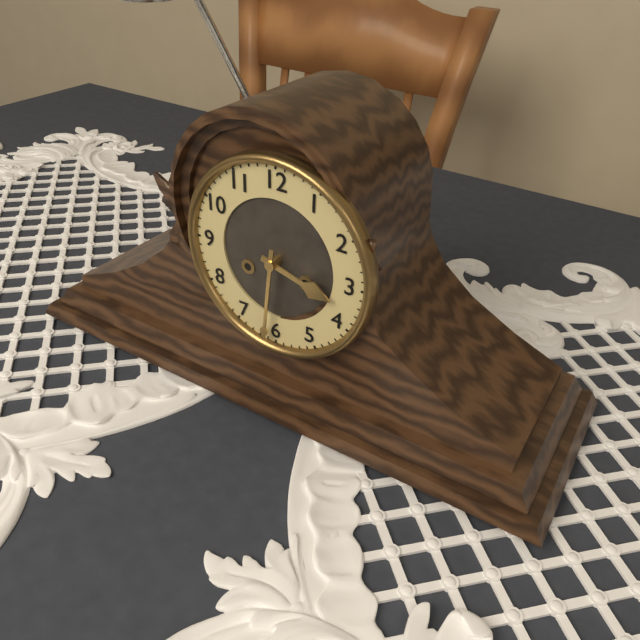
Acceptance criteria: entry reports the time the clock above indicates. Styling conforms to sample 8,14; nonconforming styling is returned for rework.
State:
3,31
